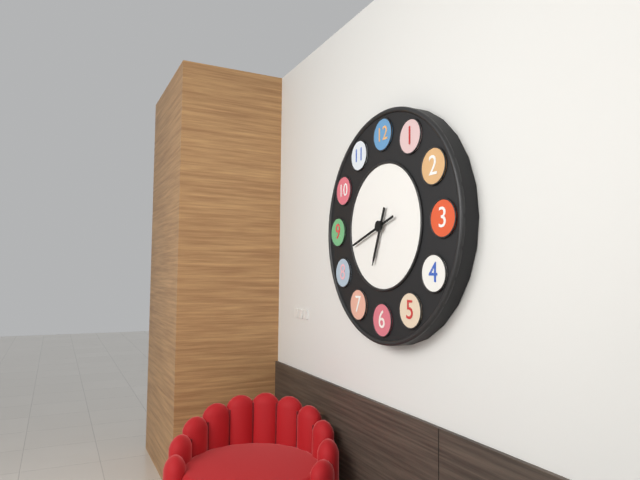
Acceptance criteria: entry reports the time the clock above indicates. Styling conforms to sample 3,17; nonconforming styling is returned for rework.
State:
6,42
